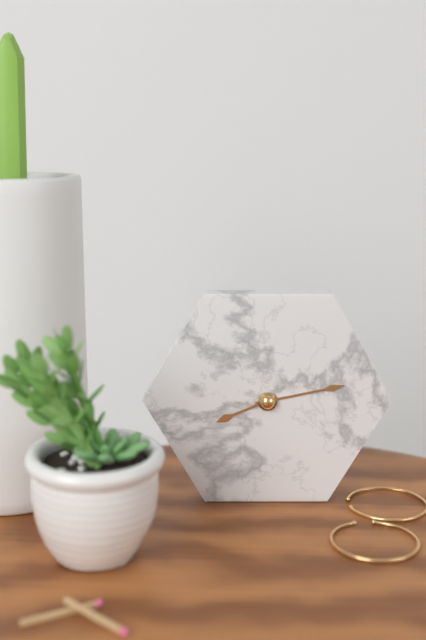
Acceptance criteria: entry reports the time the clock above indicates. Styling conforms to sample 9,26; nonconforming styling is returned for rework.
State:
8,13
